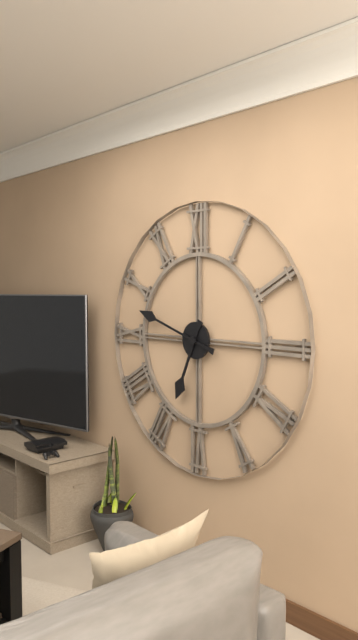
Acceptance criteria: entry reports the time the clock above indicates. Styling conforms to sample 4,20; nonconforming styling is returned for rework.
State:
6,48
